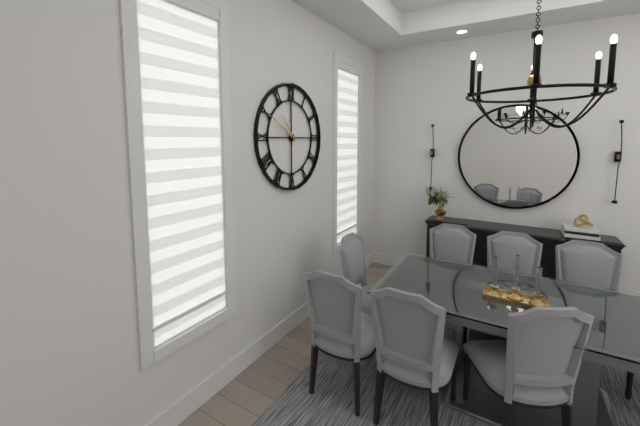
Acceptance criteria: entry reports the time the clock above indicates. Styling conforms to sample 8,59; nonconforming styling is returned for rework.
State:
10,50
